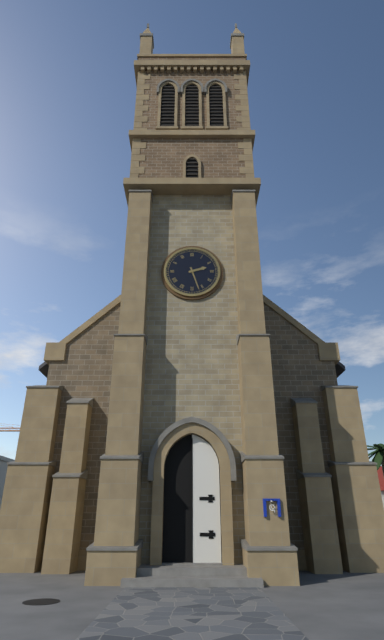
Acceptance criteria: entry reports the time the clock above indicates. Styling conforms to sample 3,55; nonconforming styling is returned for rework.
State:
2,27
